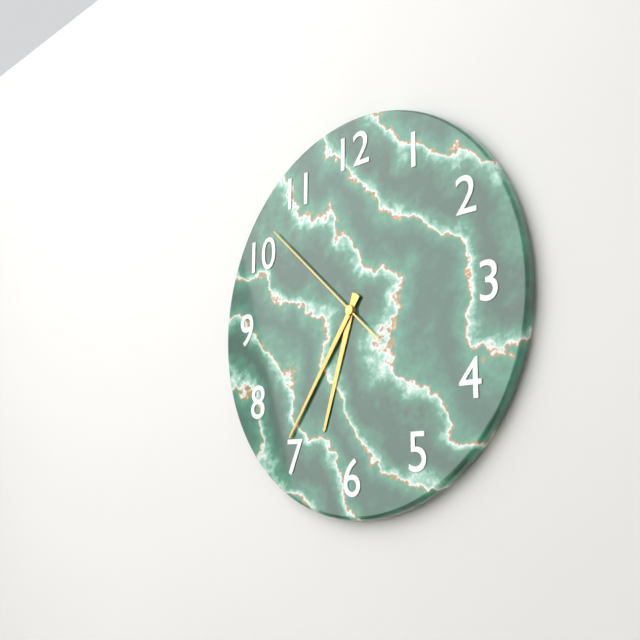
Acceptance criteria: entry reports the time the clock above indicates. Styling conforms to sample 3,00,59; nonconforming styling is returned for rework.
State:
6,36,52
